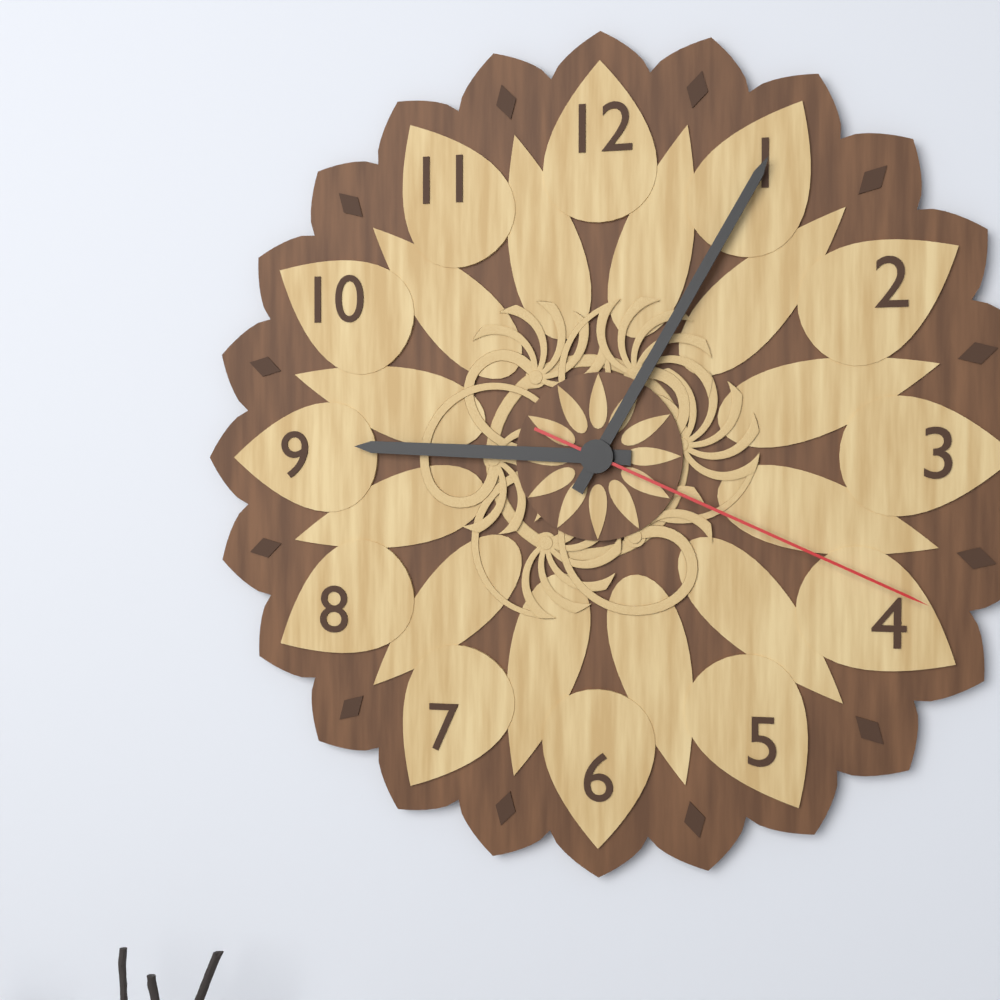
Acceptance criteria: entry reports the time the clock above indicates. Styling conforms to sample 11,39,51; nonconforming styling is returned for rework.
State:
9,05,19
